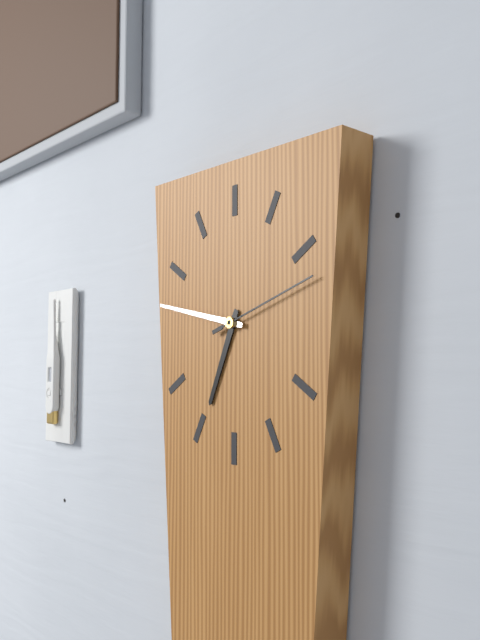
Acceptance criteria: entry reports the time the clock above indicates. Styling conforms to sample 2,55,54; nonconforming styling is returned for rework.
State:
6,47,12
